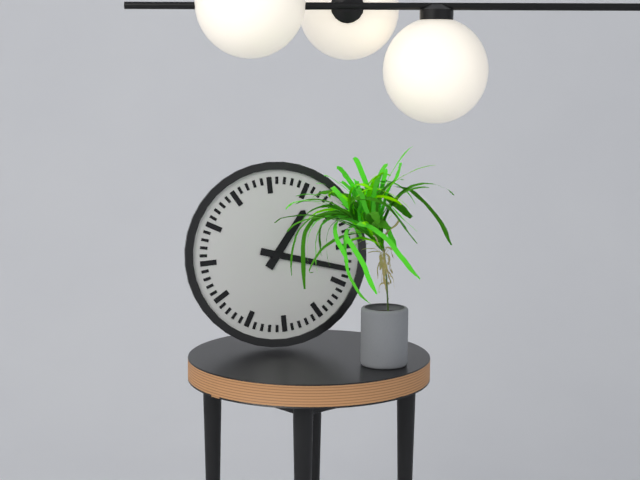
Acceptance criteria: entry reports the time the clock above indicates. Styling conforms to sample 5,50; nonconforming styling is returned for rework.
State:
1,18
